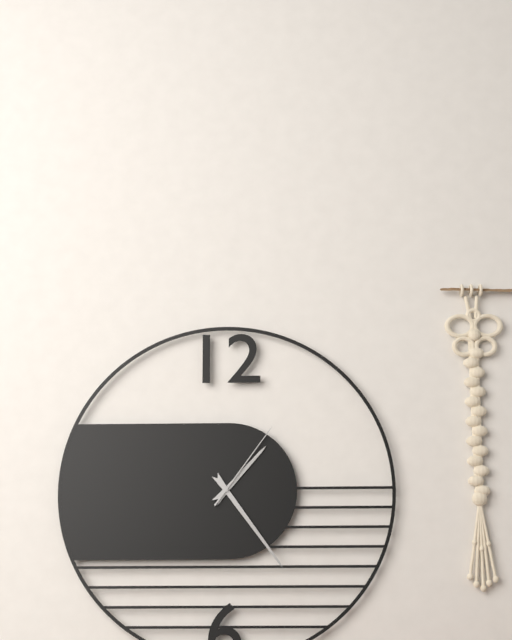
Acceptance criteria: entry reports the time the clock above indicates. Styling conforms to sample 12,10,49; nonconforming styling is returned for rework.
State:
1,24,06
